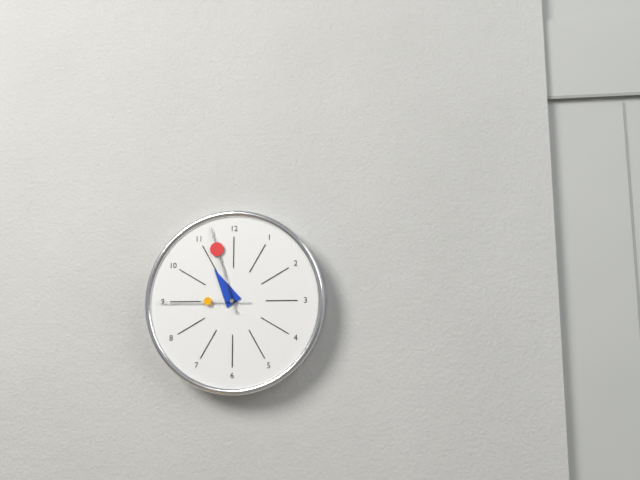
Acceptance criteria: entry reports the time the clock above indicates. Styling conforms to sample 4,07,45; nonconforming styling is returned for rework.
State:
10,57,45
